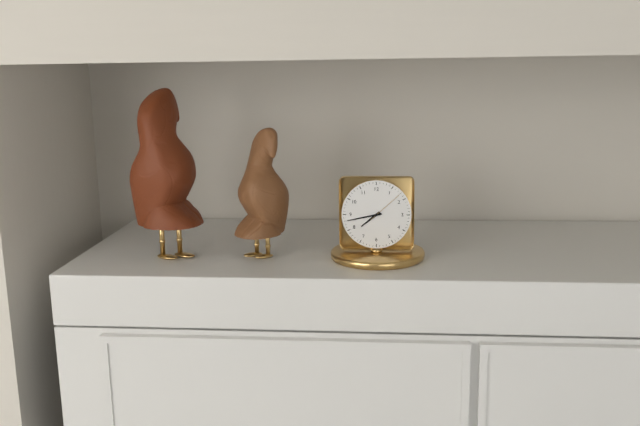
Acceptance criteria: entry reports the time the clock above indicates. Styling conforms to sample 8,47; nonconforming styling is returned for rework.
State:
7,43
